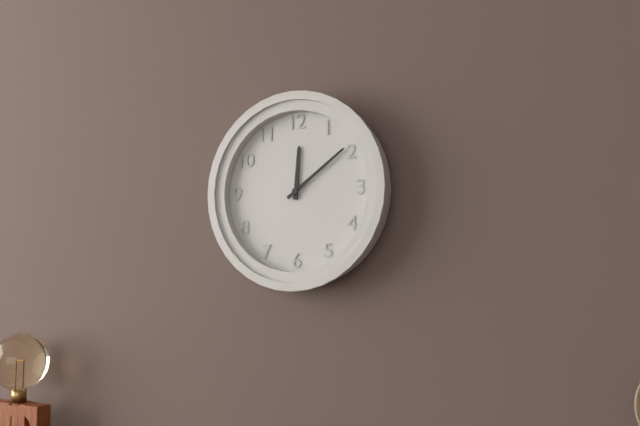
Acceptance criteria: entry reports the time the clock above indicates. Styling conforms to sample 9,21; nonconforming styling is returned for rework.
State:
12,09
